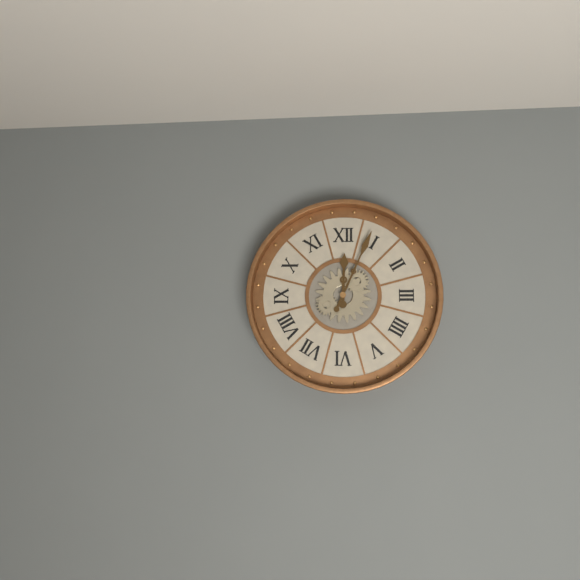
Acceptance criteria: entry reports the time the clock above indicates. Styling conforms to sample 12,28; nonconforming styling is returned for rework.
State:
12,04
